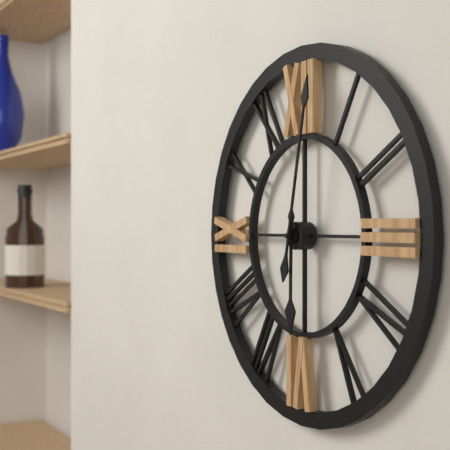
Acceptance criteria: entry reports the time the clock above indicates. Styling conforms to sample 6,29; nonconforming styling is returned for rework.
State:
6,02
